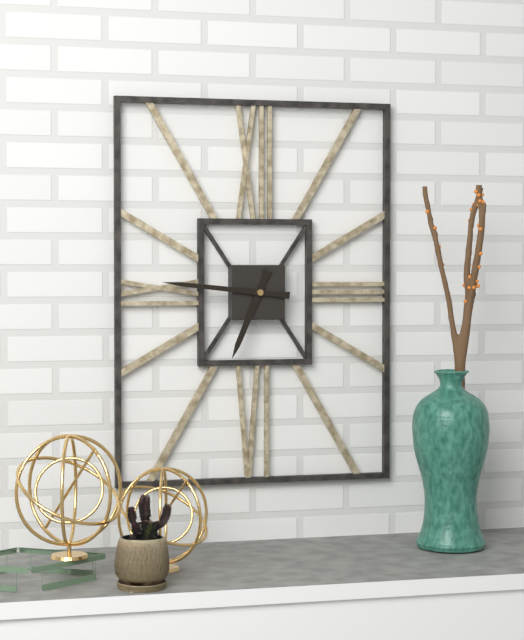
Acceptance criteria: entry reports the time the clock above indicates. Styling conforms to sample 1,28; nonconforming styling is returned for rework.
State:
6,46
